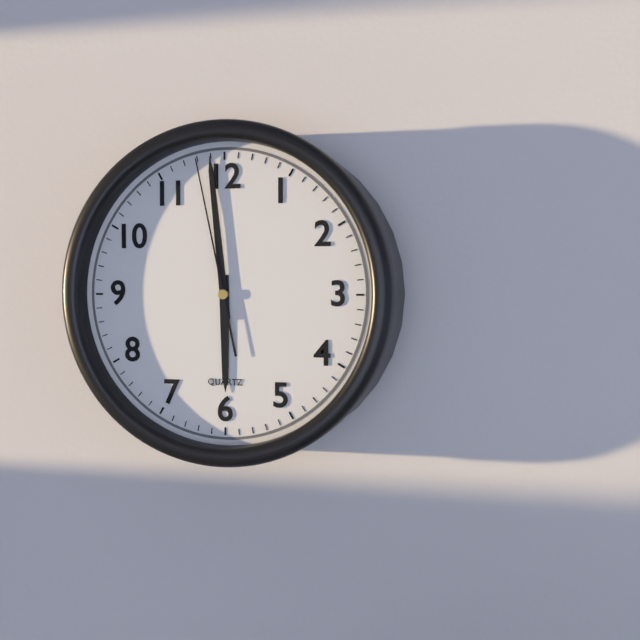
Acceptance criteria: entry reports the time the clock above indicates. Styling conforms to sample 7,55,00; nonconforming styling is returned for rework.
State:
5,59,58
